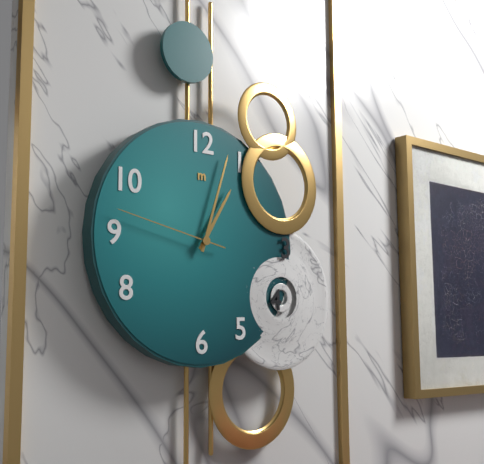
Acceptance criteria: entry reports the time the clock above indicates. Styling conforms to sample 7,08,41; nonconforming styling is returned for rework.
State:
1,03,47
